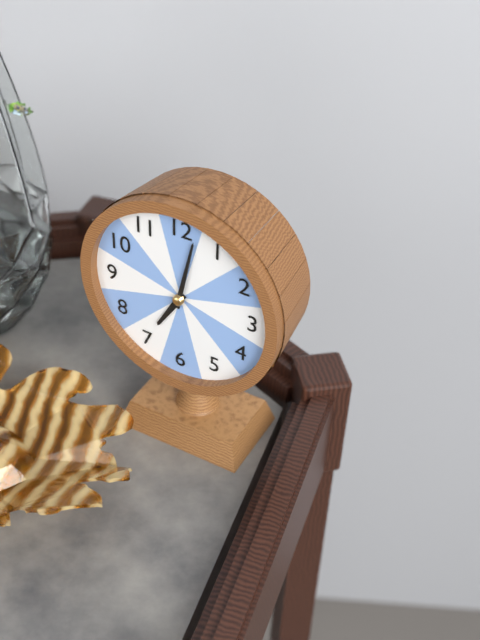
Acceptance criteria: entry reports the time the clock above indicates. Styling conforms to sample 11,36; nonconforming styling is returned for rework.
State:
7,02
